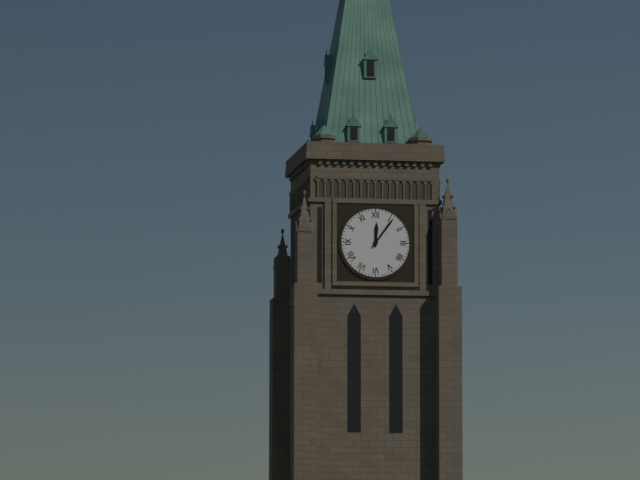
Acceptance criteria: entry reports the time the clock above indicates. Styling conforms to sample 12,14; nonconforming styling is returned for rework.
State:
12,06
